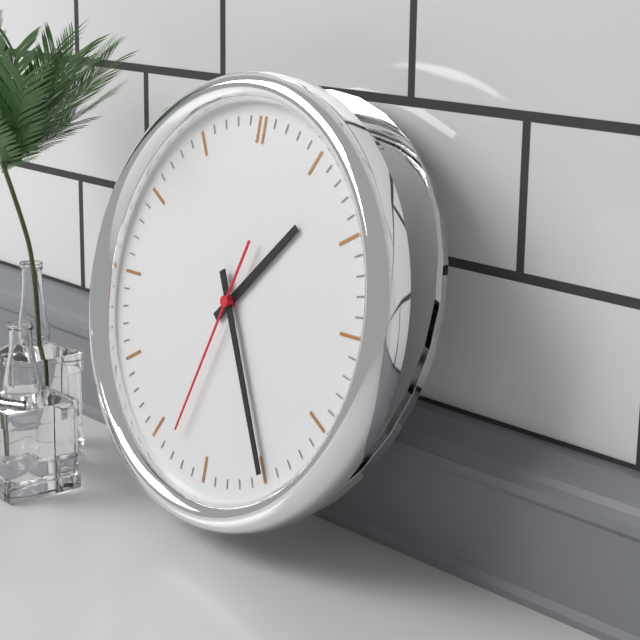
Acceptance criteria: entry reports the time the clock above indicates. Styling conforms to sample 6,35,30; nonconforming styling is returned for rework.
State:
1,25,33
